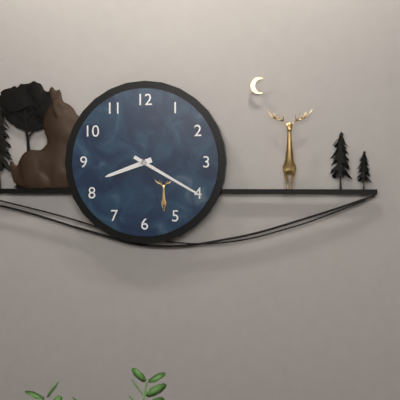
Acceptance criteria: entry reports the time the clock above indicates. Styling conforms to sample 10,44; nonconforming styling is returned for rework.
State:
8,20
